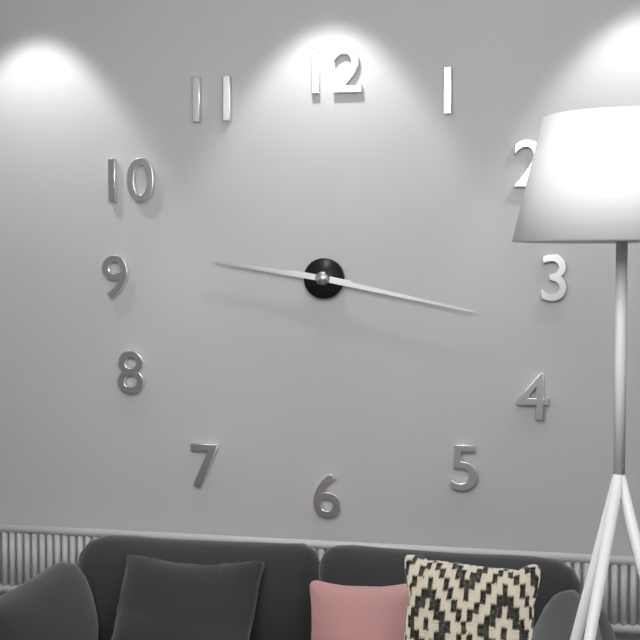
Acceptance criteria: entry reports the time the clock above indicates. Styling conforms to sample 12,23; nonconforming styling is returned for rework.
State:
9,17
